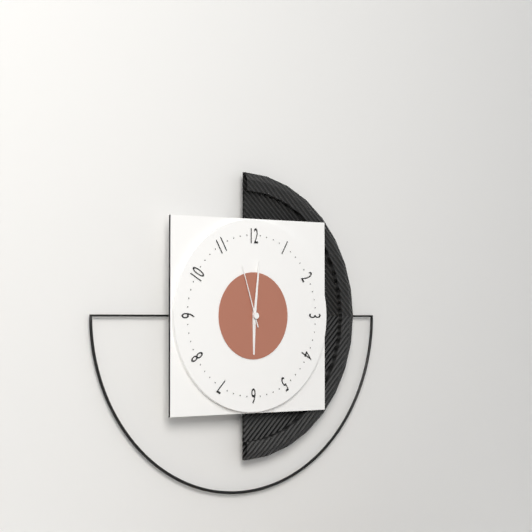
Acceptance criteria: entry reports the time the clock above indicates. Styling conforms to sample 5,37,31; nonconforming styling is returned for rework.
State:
6,01,57
